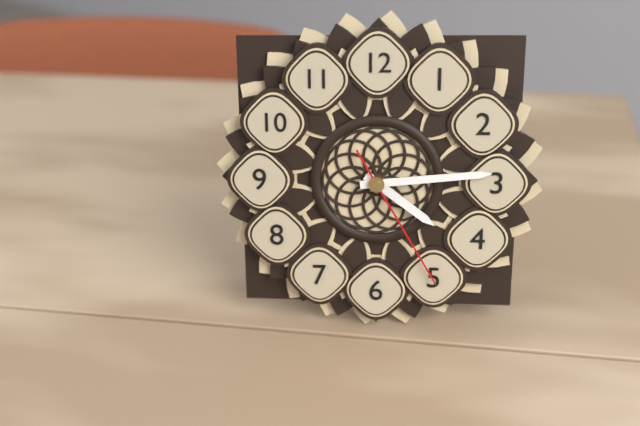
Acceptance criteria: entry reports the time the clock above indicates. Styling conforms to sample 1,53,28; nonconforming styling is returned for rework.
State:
4,14,25
